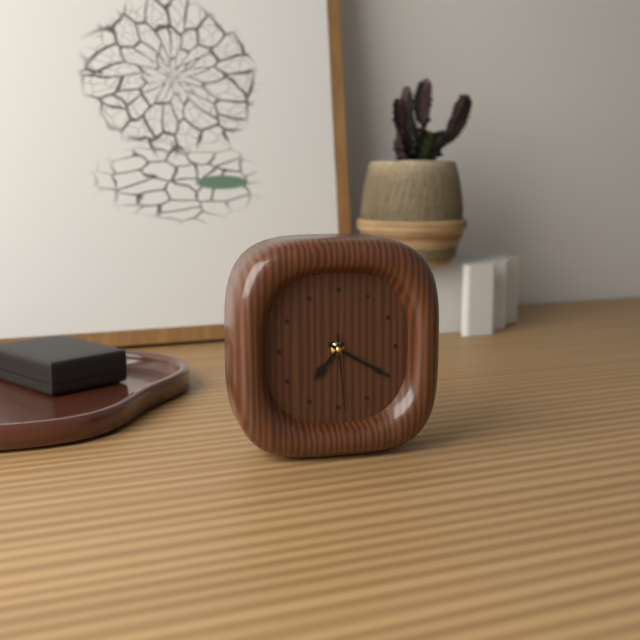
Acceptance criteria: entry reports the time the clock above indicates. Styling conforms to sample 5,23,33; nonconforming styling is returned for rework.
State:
7,20,29
